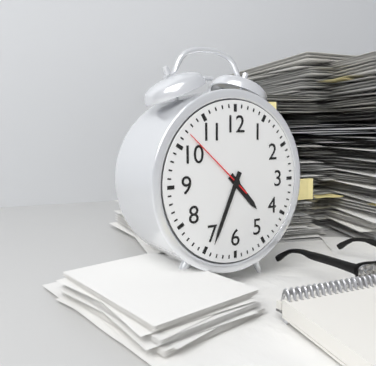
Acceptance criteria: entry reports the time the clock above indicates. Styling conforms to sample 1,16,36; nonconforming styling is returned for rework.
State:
4,34,52
